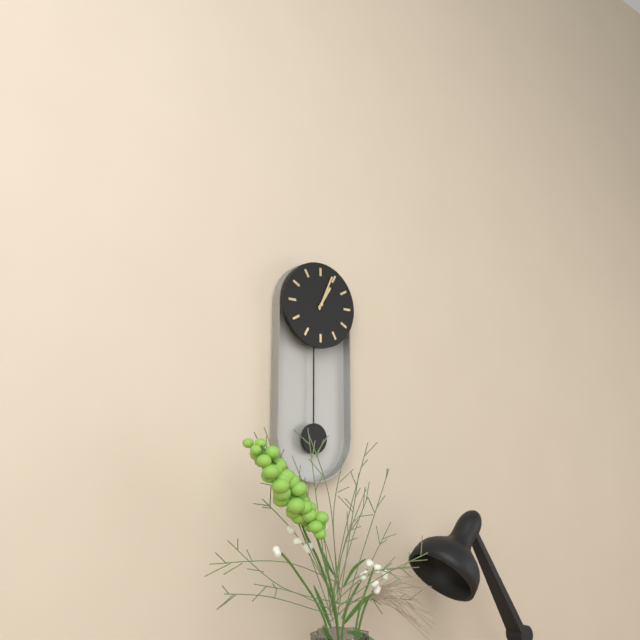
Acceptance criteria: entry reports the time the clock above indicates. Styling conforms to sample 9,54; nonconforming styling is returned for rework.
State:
1,04
